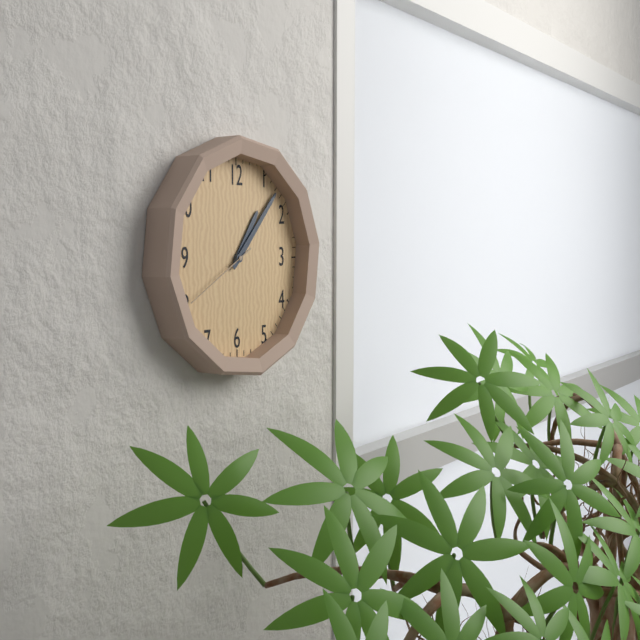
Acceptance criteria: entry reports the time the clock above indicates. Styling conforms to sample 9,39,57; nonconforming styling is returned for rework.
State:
1,07,40
